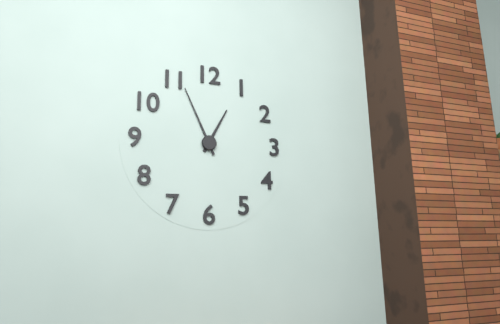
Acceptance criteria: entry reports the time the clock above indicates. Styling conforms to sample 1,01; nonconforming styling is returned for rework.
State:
12,56
